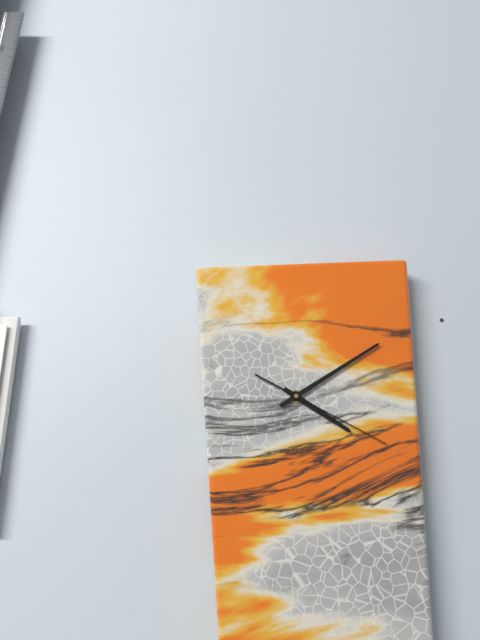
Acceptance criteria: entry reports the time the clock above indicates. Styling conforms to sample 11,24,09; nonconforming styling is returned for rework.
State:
4,10,20
